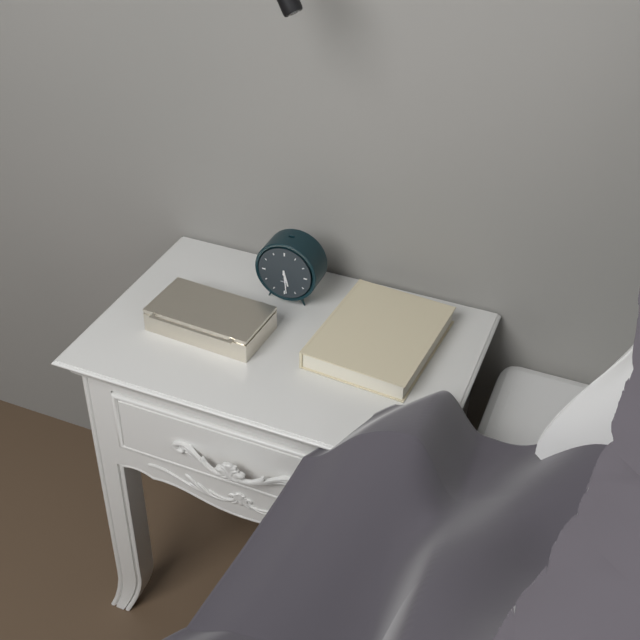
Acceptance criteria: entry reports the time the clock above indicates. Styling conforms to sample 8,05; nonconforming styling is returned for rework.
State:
5,29
